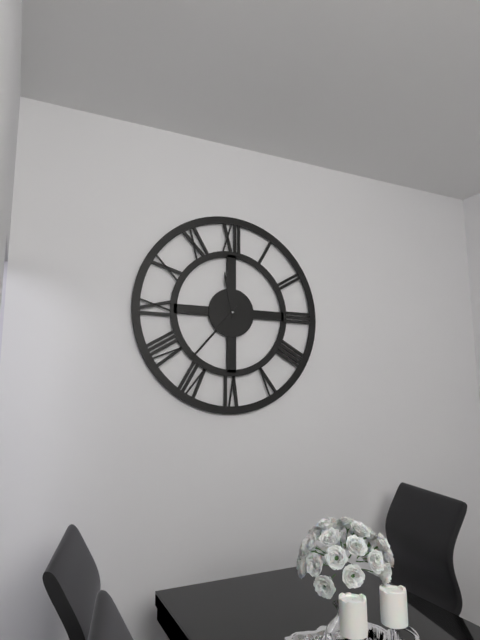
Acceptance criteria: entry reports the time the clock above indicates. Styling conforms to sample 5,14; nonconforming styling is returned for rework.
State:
11,37
